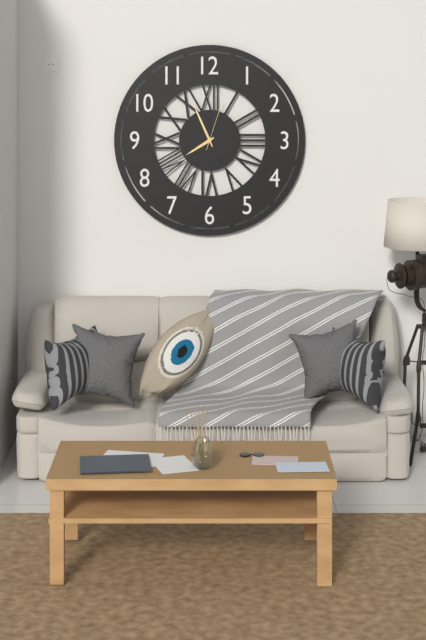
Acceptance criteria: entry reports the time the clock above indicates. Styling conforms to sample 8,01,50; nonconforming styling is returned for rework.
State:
7,56,03
